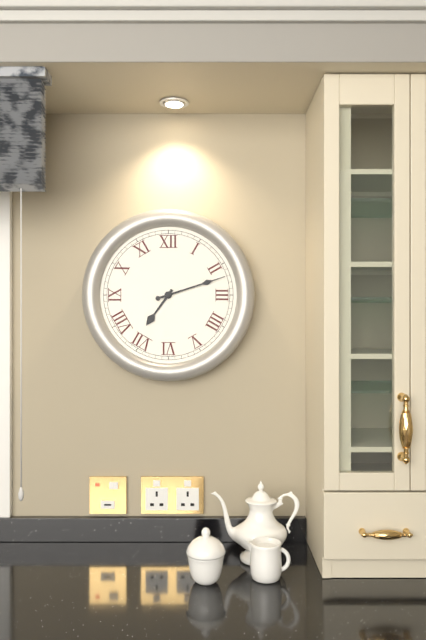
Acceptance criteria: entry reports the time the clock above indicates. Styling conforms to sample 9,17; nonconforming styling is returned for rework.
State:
7,12
